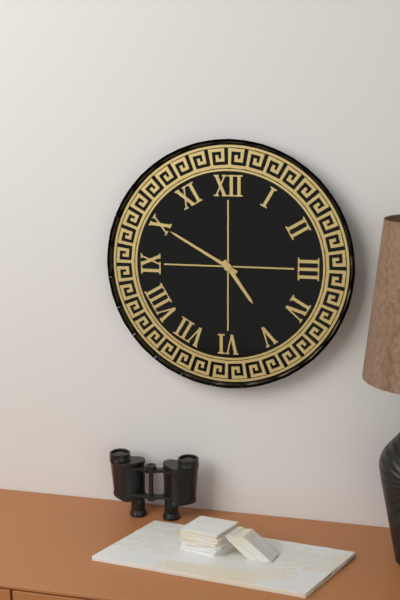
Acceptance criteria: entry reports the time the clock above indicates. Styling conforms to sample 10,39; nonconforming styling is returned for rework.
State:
4,50
